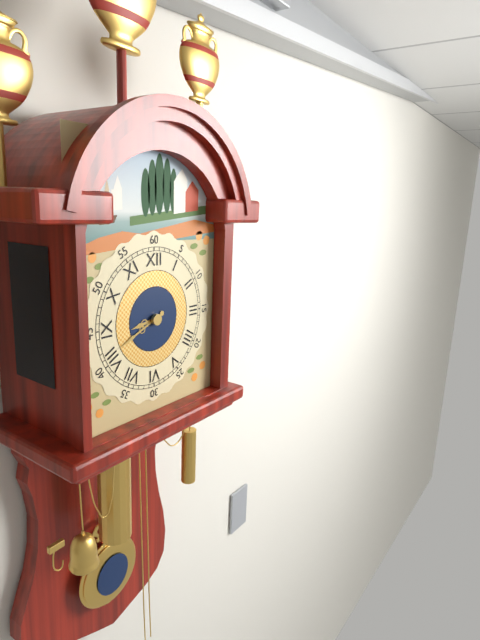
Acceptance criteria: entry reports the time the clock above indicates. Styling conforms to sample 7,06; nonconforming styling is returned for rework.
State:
8,41
